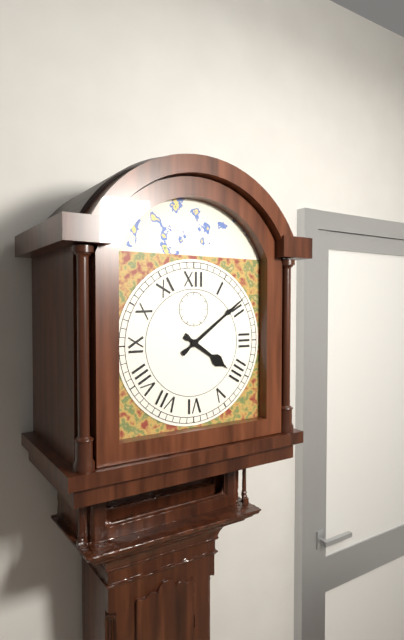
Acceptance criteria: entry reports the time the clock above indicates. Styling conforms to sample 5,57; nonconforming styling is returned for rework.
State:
4,09
